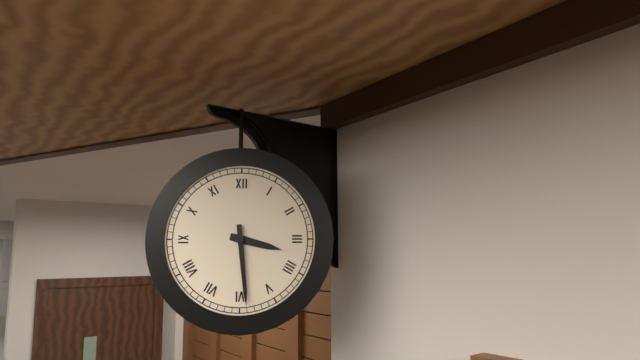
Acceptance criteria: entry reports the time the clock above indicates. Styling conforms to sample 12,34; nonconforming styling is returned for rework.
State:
3,29
